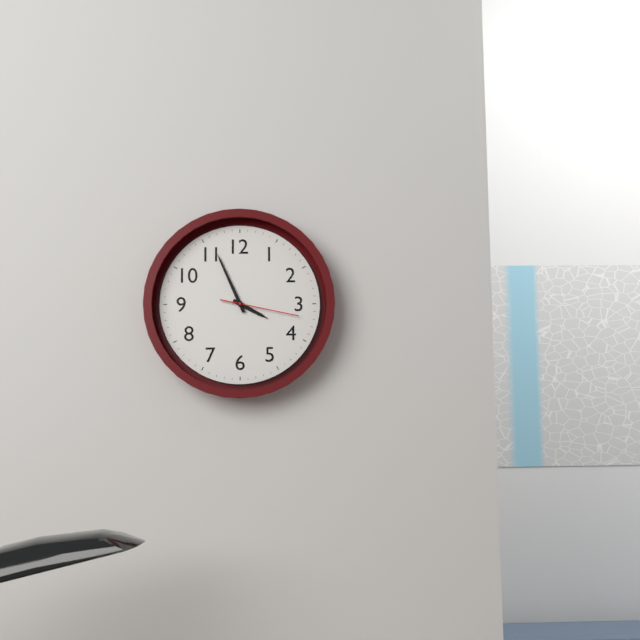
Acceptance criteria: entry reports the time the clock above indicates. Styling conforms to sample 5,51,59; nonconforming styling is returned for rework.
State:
3,56,17
